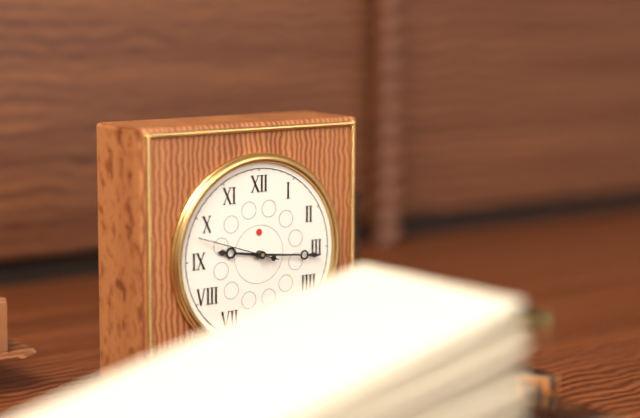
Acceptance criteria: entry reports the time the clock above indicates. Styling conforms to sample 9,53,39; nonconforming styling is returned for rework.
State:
9,16,48
